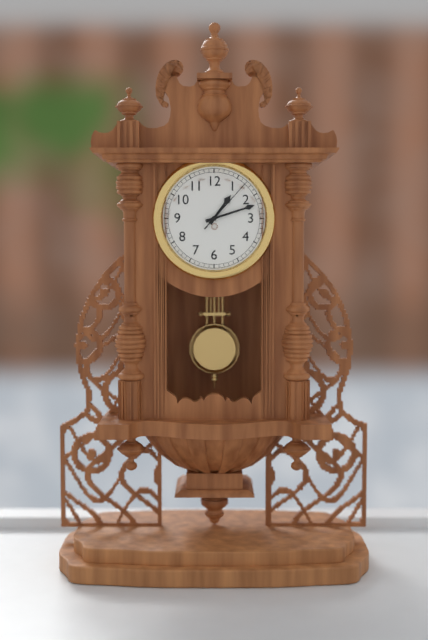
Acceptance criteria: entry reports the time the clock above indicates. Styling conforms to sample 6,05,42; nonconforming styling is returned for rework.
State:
1,12,07
